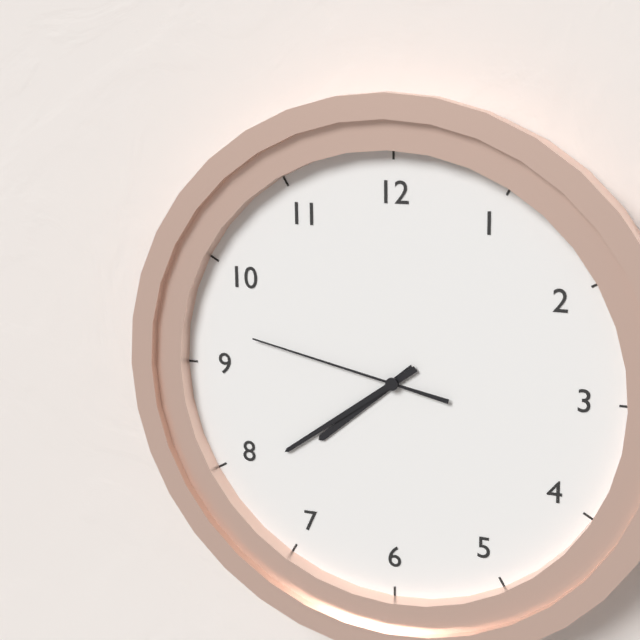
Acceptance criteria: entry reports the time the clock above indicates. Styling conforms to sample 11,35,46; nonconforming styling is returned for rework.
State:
7,39,47
